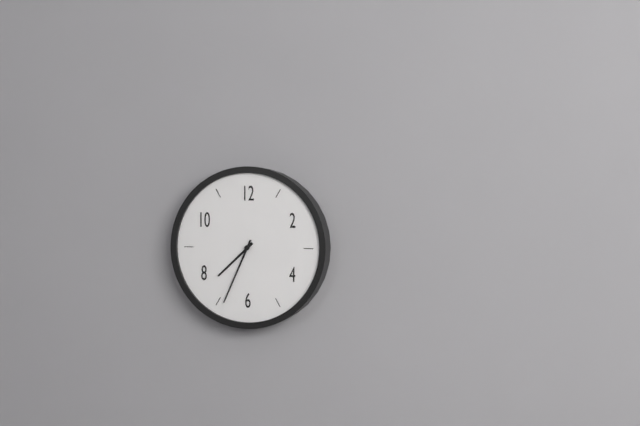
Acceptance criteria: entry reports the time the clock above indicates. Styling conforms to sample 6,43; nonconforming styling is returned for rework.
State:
7,34
